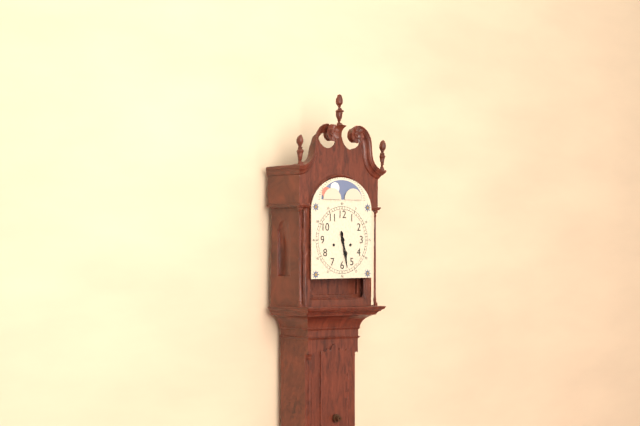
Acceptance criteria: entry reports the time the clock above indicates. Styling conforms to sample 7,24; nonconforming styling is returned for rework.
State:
5,28
